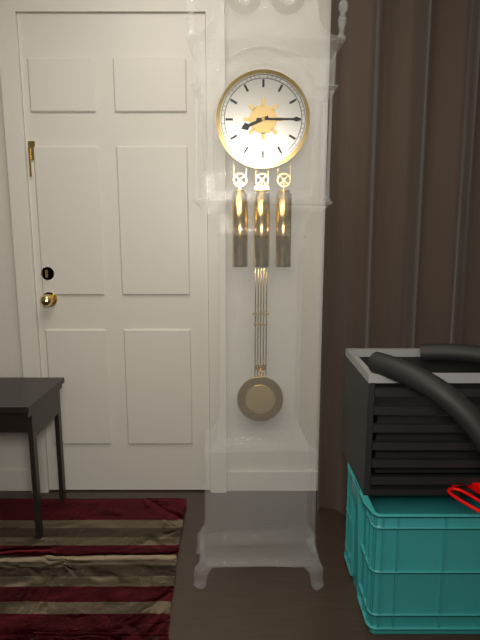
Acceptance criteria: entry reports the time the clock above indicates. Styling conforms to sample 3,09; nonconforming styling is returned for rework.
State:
8,15
